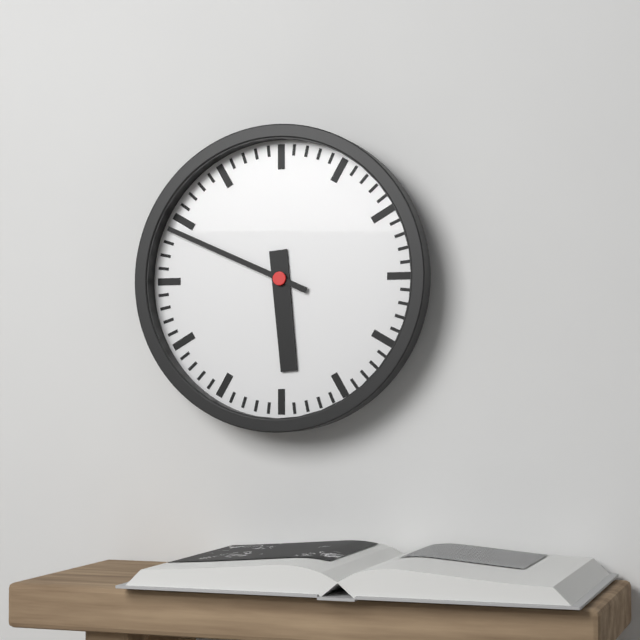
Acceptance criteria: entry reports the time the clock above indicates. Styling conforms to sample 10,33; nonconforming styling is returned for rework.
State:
5,49
